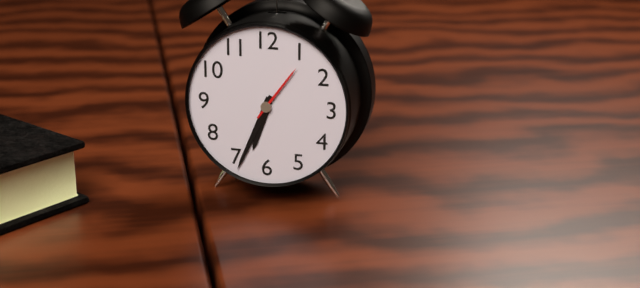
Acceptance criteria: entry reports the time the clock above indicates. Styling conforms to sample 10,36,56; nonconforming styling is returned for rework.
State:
6,34,06
